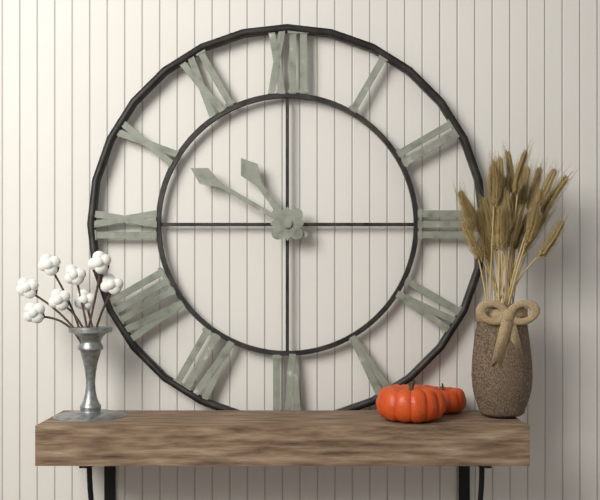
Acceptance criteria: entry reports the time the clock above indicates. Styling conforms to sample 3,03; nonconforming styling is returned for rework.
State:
10,50
